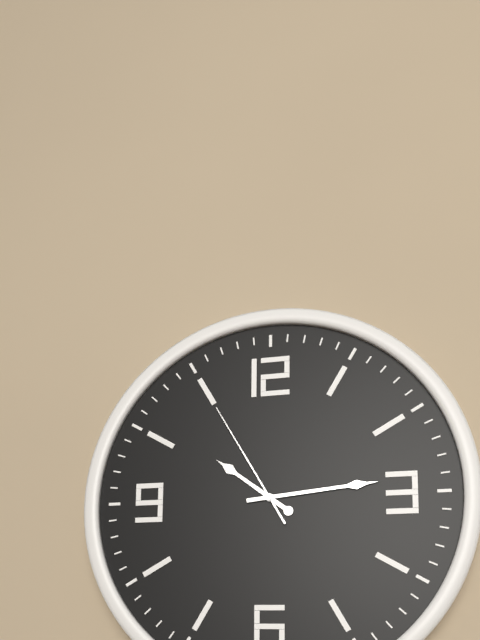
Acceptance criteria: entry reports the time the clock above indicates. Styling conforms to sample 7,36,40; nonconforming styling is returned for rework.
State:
10,14,55
